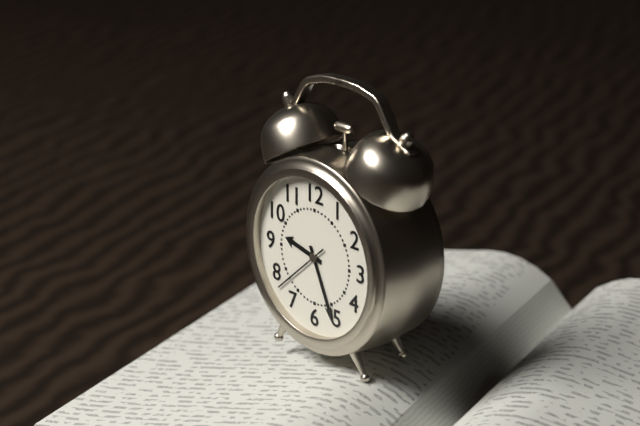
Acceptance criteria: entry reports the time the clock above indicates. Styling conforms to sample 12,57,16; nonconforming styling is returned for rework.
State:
9,26,38
